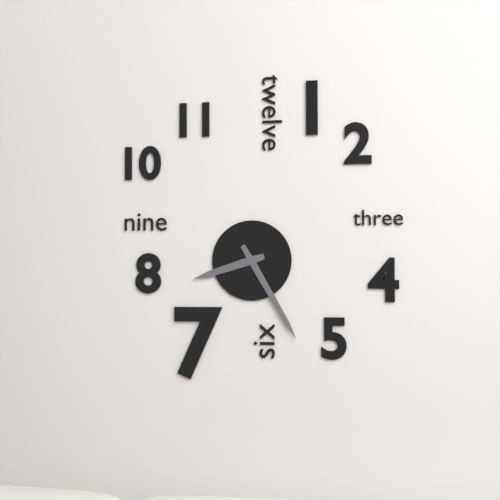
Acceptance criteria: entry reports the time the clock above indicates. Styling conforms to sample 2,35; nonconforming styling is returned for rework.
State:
8,25
